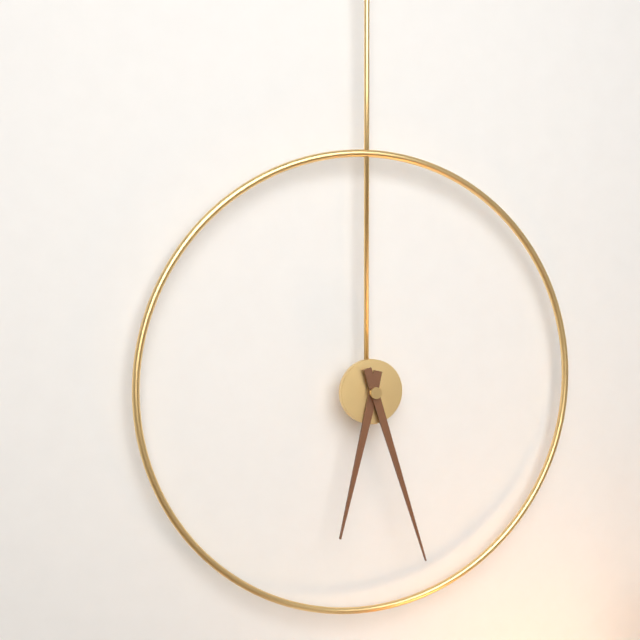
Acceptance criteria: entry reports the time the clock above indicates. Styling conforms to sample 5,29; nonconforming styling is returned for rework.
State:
6,27
